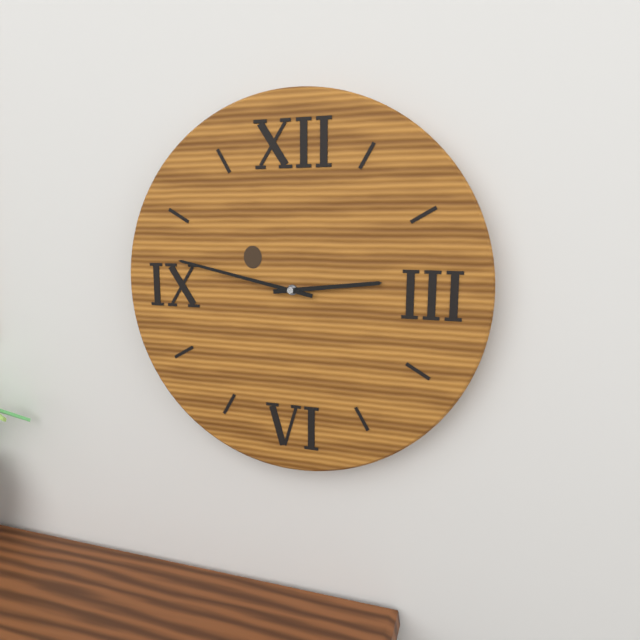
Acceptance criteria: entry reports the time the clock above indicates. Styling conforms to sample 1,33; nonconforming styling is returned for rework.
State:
2,47
